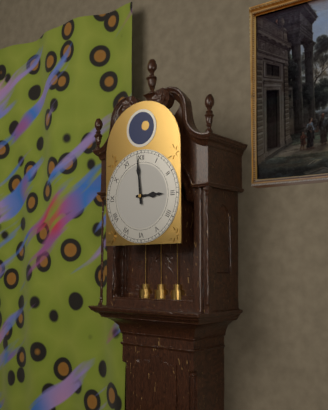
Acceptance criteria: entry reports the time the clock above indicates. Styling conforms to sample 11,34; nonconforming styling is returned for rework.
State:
2,59
